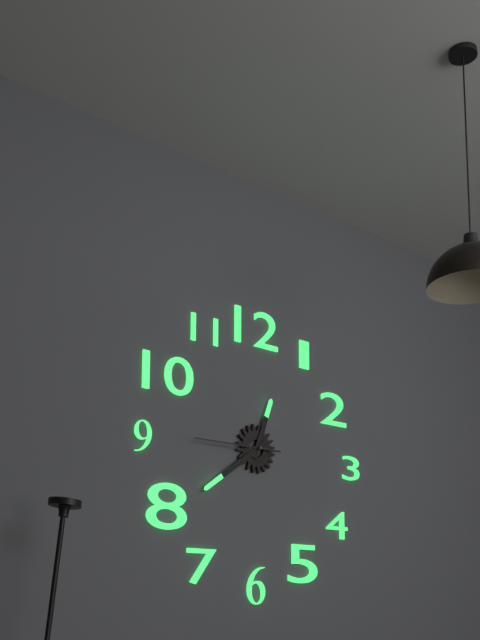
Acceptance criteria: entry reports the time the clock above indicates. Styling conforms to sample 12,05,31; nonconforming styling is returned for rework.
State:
12,39,45
